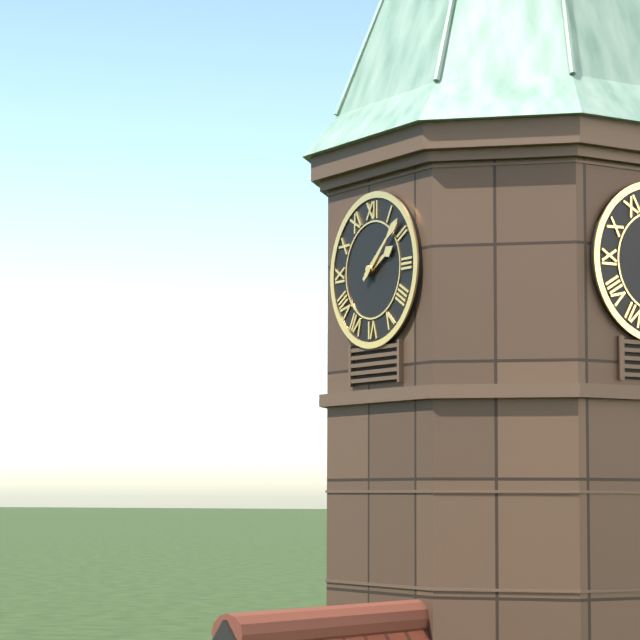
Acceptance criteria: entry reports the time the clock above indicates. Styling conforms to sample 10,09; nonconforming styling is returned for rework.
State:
2,08
